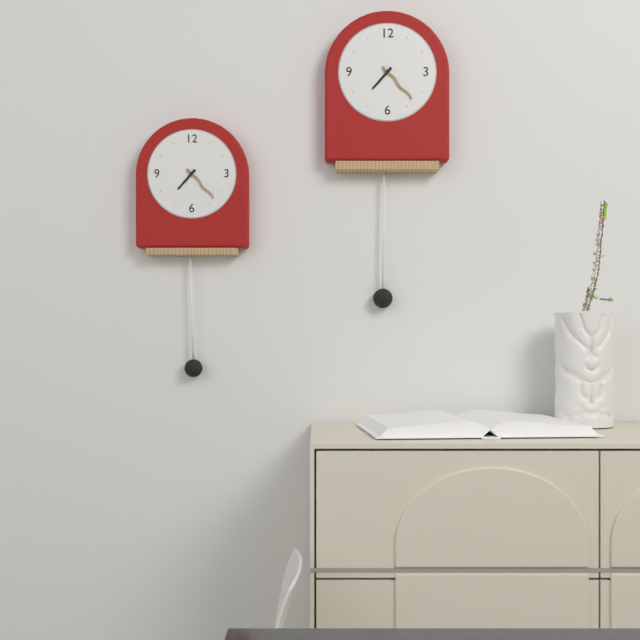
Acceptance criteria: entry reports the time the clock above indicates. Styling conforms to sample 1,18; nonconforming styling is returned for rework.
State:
7,23
